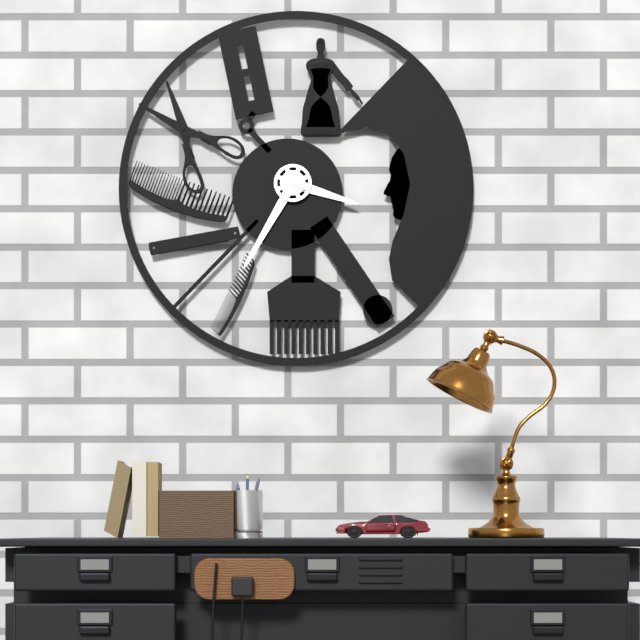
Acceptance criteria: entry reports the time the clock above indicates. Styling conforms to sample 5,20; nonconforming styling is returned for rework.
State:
3,35
